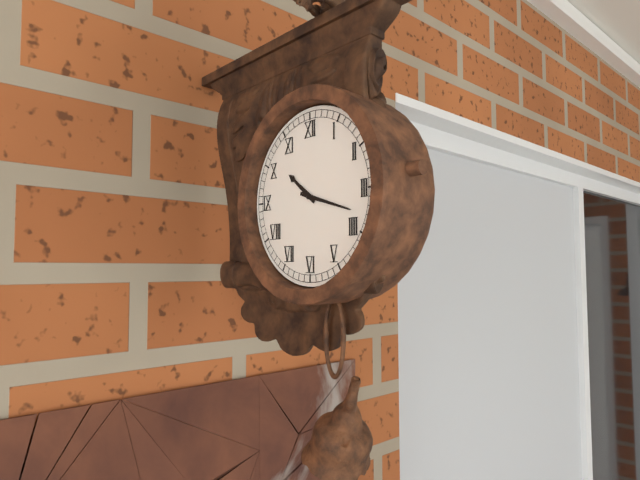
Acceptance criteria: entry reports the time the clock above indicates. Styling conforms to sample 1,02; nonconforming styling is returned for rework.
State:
10,18
